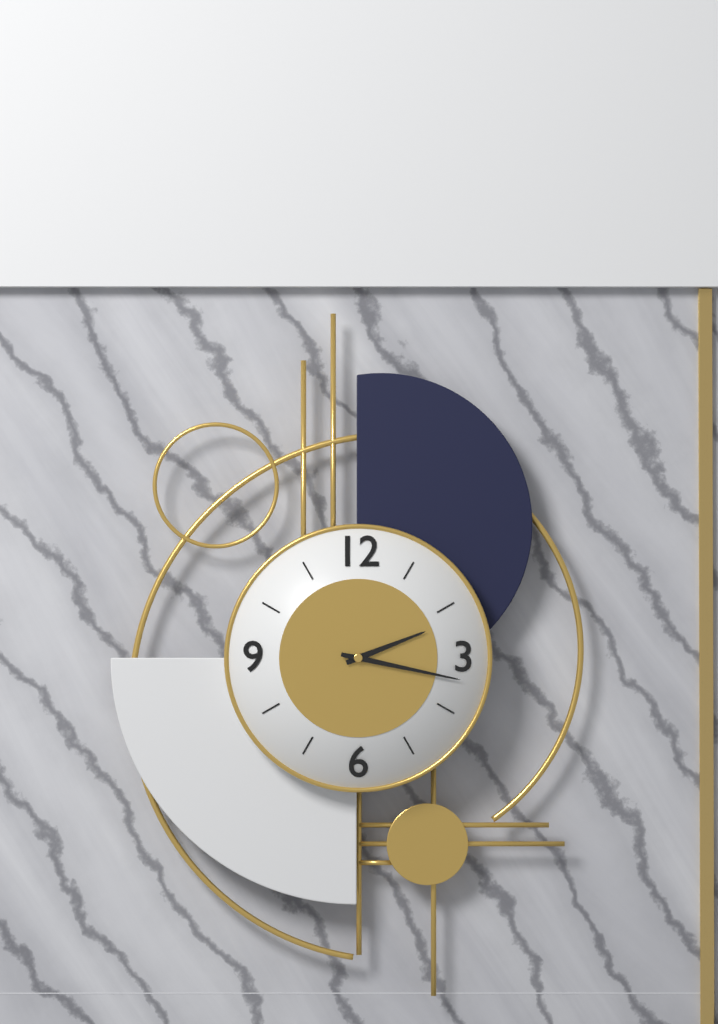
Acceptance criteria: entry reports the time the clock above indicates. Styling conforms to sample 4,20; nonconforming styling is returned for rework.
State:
2,17
